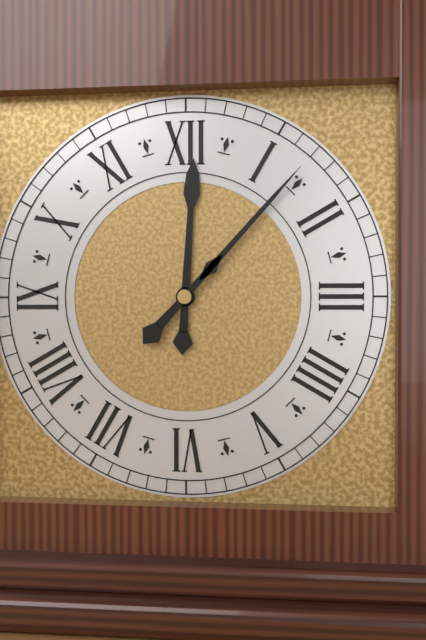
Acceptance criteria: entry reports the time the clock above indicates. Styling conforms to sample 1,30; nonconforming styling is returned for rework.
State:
12,07
